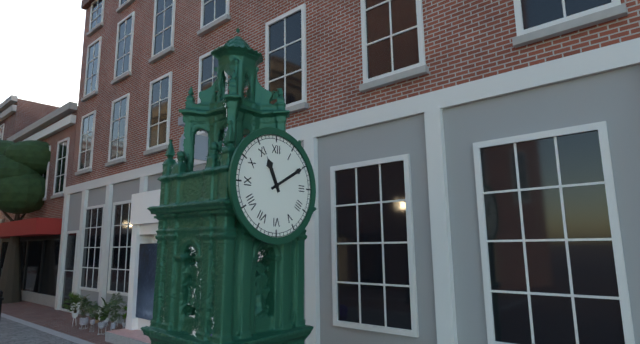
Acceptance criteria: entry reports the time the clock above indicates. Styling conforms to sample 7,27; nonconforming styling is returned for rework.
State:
11,10
